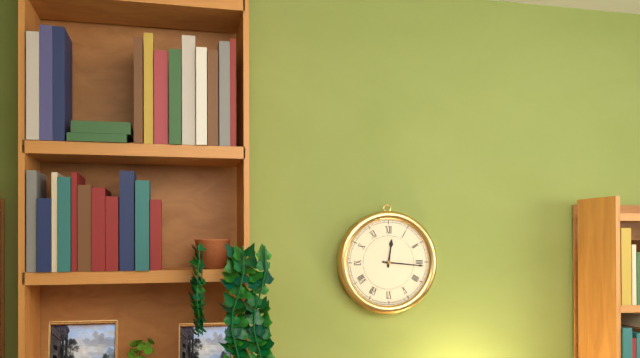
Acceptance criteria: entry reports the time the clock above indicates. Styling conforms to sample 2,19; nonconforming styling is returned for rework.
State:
12,16
